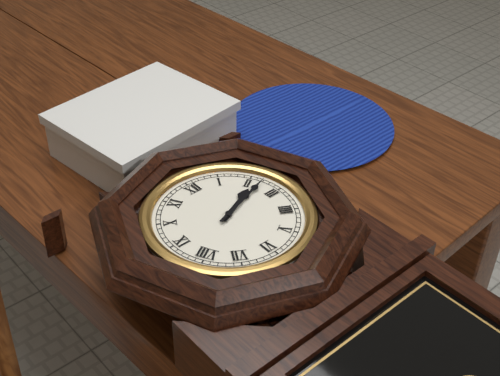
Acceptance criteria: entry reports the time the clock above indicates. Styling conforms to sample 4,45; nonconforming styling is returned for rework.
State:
2,12
